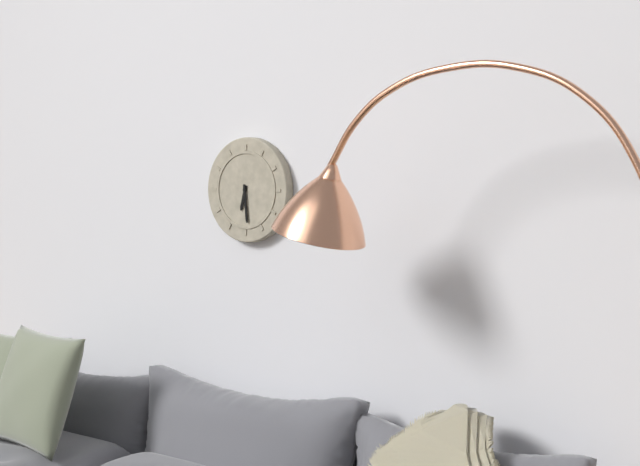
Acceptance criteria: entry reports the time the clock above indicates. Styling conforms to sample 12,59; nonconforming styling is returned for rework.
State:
6,29
